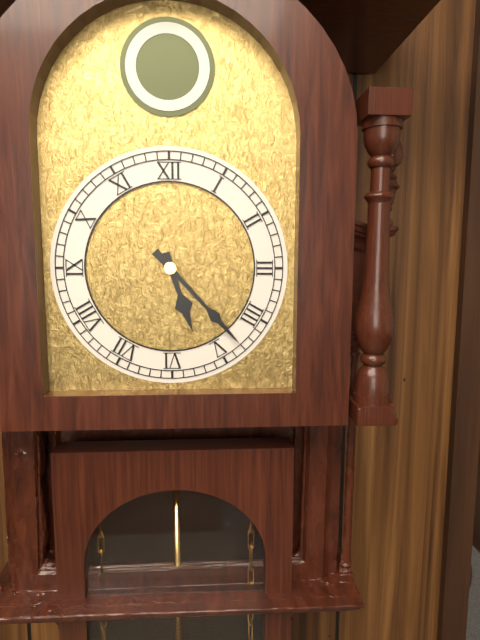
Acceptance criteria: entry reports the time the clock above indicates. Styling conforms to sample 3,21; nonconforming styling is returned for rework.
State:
5,23
